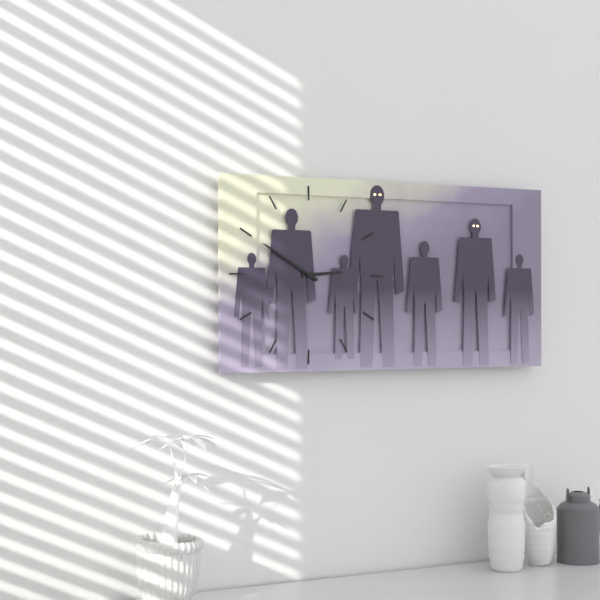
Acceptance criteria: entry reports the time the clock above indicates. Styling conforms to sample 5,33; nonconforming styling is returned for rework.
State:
2,50
